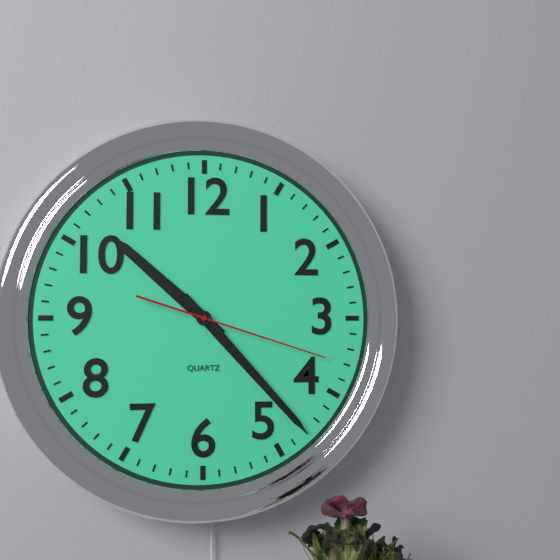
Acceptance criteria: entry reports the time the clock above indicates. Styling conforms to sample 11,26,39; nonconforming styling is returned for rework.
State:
10,23,18
